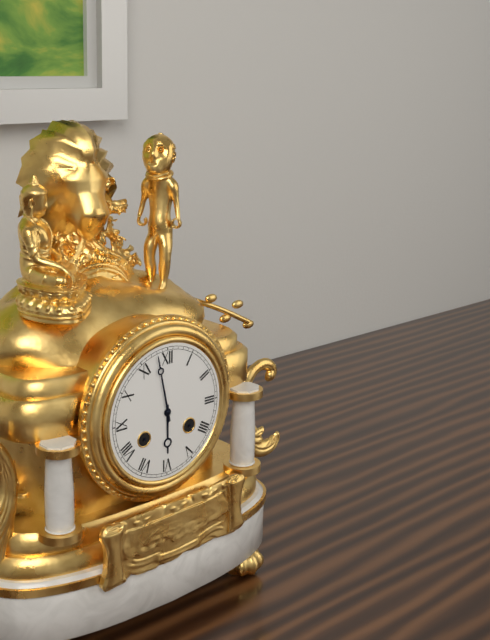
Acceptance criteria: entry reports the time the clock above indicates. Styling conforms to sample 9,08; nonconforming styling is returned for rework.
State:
5,58
